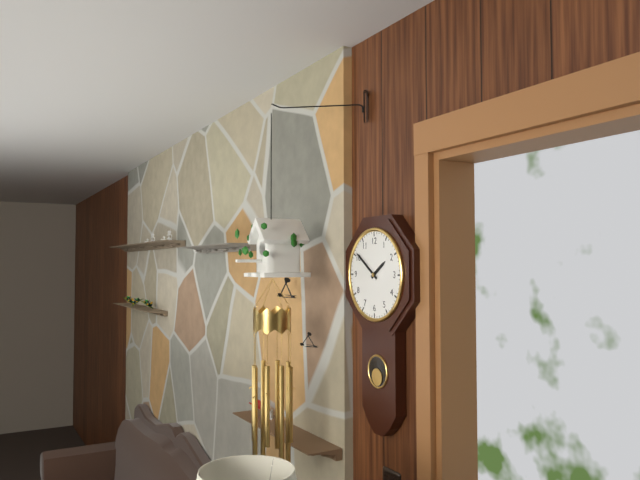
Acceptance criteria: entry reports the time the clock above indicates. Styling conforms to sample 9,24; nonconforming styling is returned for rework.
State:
1,51
